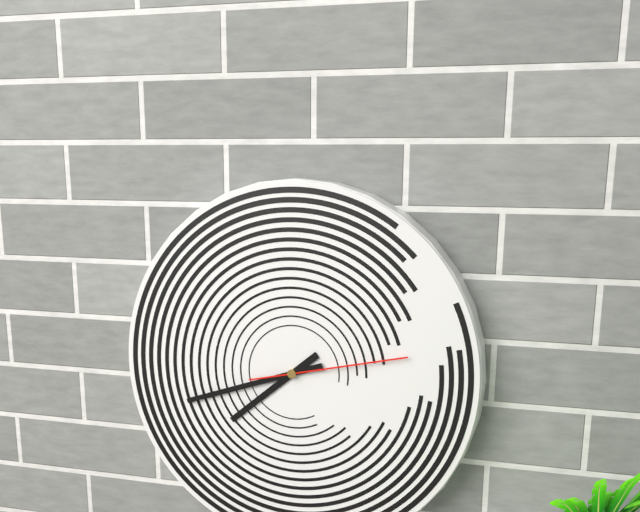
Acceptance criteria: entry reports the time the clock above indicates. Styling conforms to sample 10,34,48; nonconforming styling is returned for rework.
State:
7,42,13
